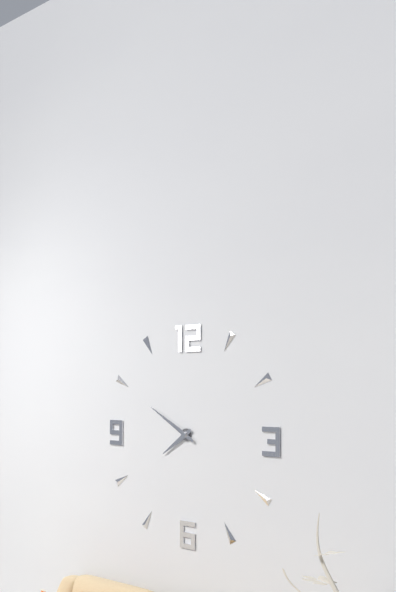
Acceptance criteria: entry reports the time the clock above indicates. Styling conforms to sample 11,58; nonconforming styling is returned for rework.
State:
7,50
